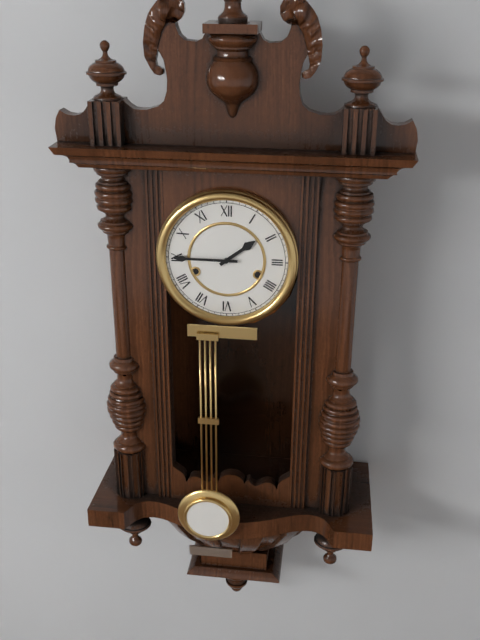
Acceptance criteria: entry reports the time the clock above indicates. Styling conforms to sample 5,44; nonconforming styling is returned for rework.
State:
1,45
